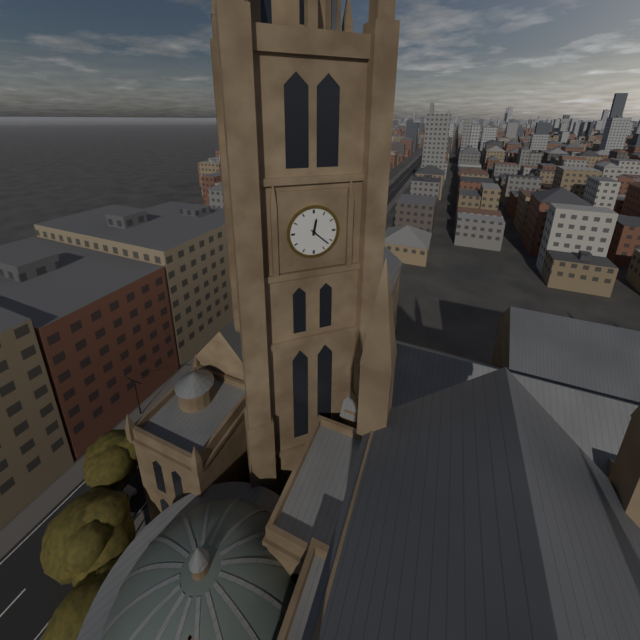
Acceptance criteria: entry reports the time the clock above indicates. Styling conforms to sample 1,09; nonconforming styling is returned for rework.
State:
12,22
